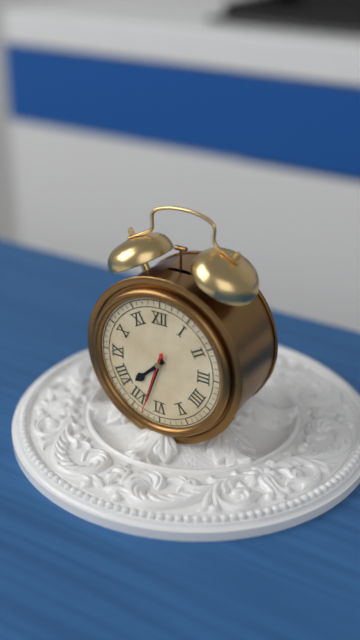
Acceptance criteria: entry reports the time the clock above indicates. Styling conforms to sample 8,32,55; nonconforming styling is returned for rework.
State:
7,33,33
